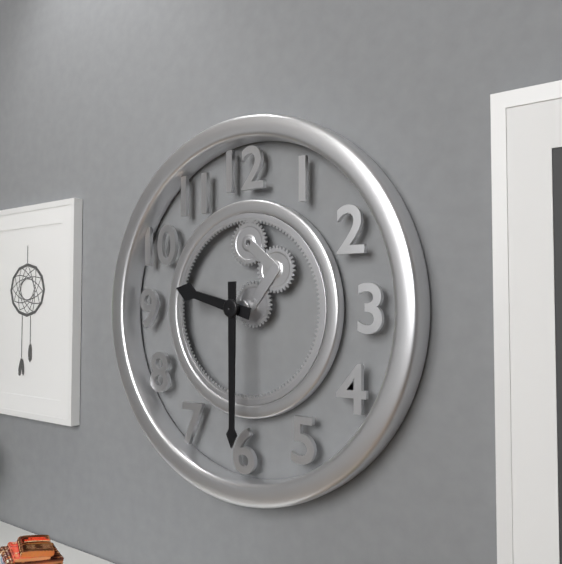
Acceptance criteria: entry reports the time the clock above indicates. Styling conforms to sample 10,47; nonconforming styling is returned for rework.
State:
9,30
